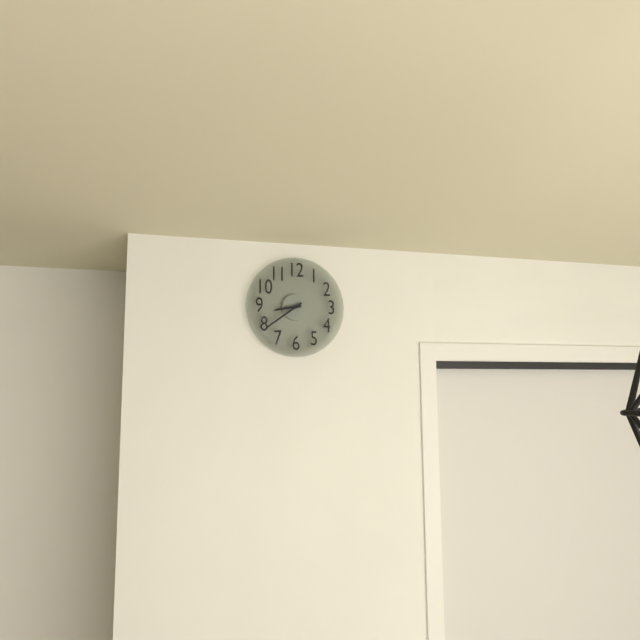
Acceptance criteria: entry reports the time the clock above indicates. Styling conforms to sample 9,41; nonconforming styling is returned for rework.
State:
8,39
